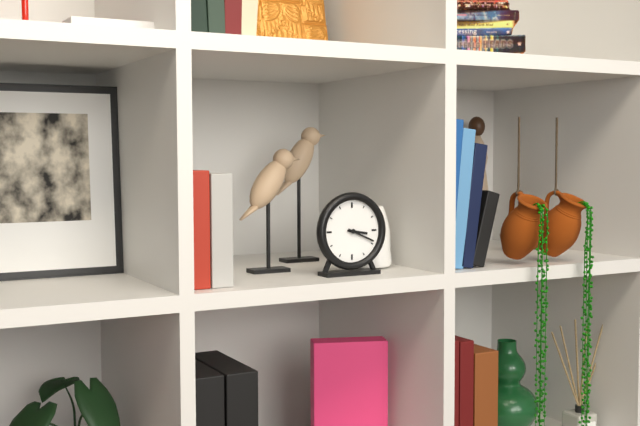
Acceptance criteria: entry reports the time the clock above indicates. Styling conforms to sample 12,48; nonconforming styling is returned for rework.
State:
3,19
